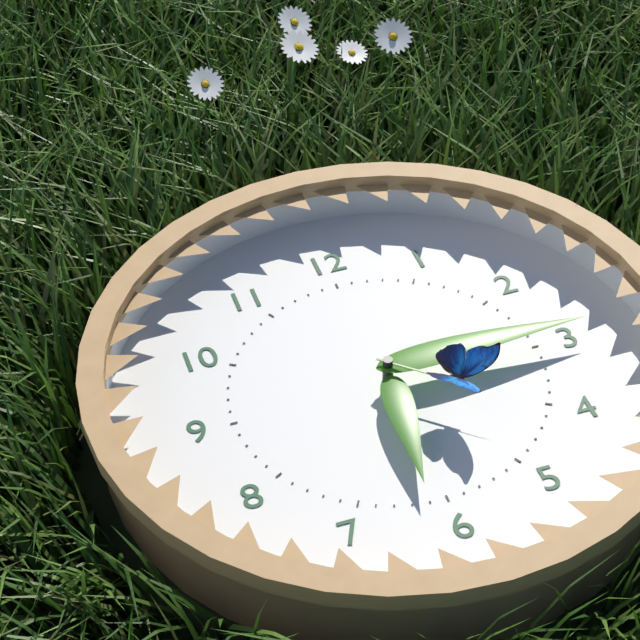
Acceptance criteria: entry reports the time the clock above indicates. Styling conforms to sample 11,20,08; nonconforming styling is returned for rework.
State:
6,15,22
